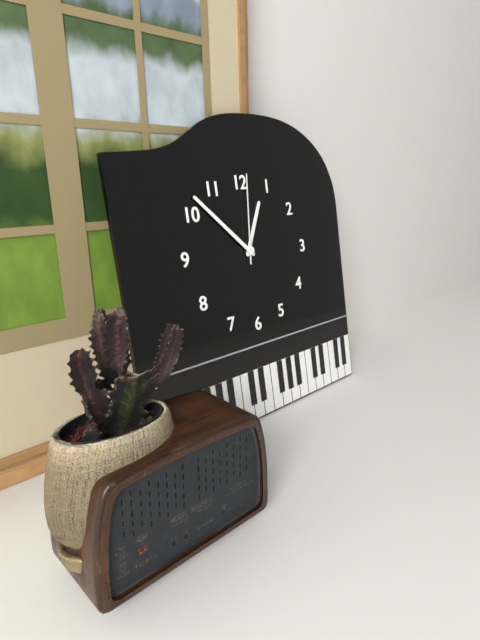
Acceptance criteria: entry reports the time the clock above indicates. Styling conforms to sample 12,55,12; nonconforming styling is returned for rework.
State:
12,52,01
